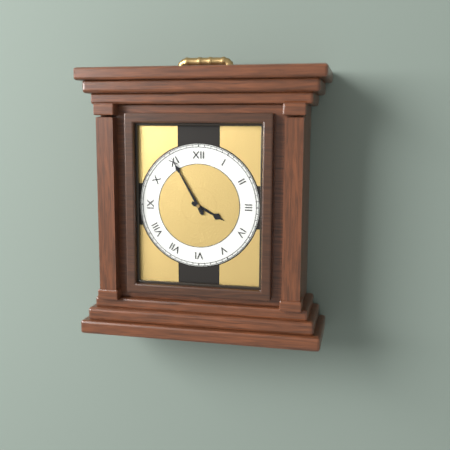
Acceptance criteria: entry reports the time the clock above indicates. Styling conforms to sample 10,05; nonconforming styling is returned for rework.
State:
3,55
